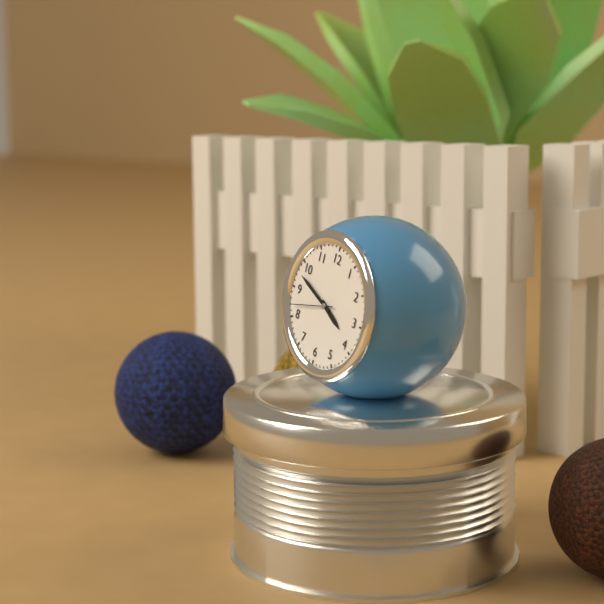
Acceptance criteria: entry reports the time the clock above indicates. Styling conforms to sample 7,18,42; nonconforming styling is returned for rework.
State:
3,48,42
